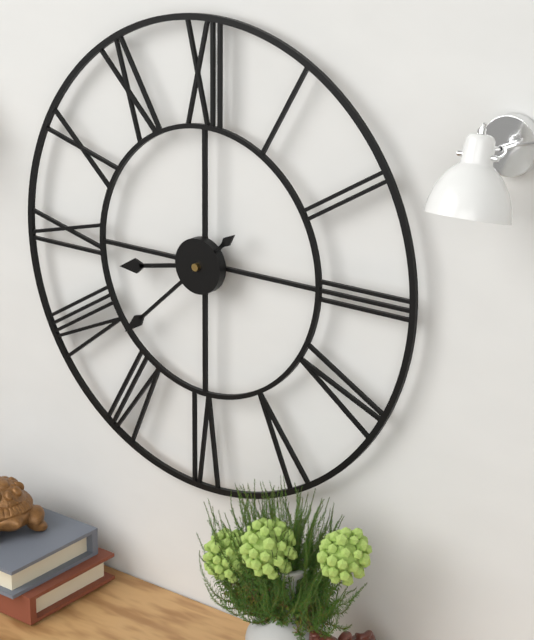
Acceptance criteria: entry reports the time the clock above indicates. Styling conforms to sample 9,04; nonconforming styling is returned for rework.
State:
8,38
